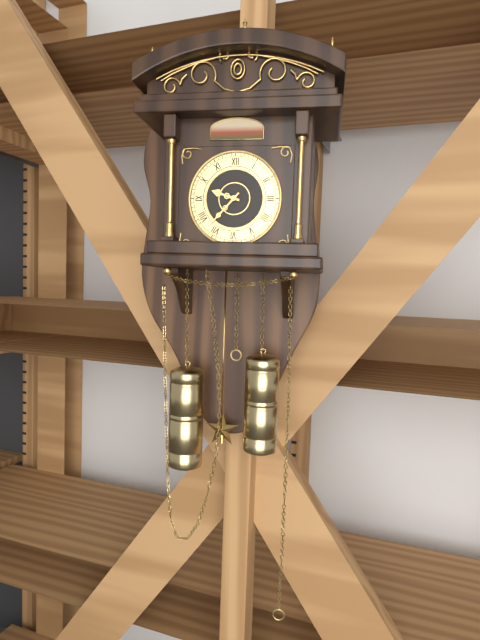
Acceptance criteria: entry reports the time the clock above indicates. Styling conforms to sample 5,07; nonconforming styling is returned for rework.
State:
9,37
